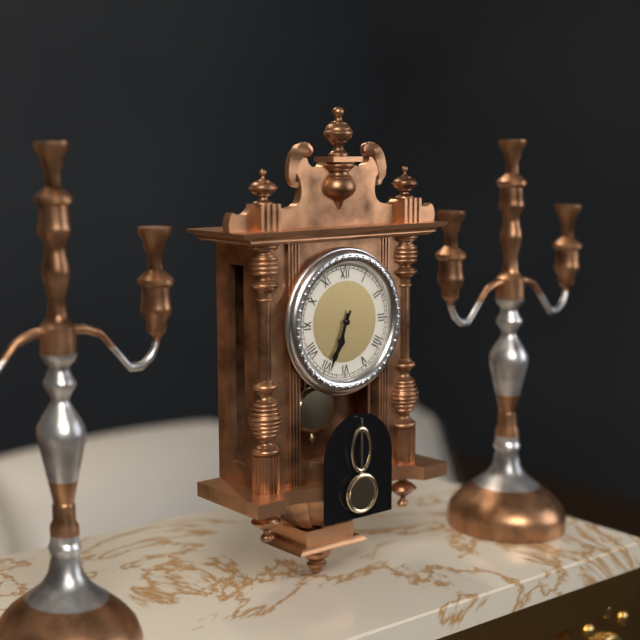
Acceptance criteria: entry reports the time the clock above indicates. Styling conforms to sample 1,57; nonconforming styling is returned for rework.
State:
6,34
